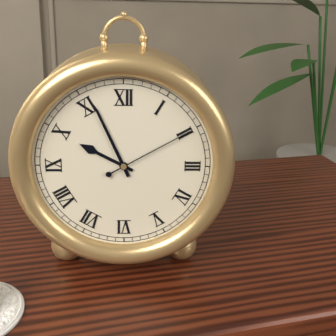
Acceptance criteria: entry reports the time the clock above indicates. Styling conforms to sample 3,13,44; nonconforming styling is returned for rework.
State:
9,56,10
